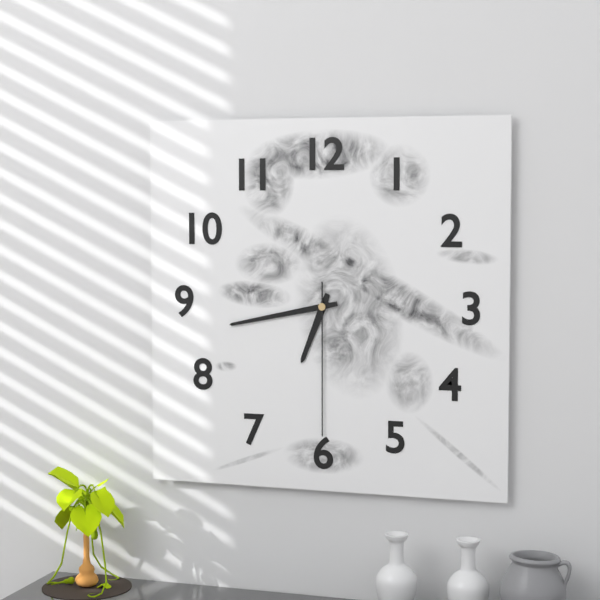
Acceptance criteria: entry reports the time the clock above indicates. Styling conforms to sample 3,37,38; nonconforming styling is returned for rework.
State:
6,43,30
